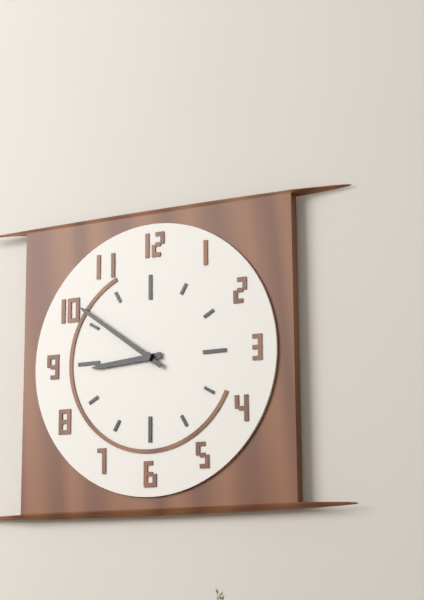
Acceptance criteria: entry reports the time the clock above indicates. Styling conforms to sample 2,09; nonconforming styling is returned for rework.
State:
8,51
